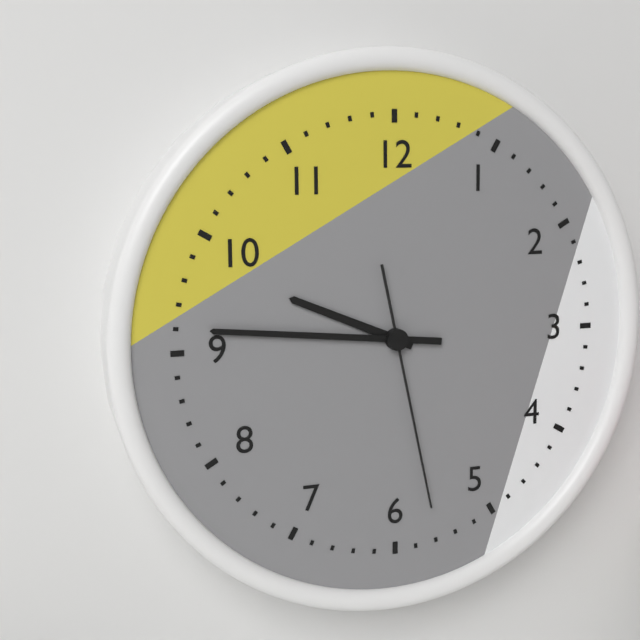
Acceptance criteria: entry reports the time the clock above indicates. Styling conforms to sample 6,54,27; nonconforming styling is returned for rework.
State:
9,46,28
